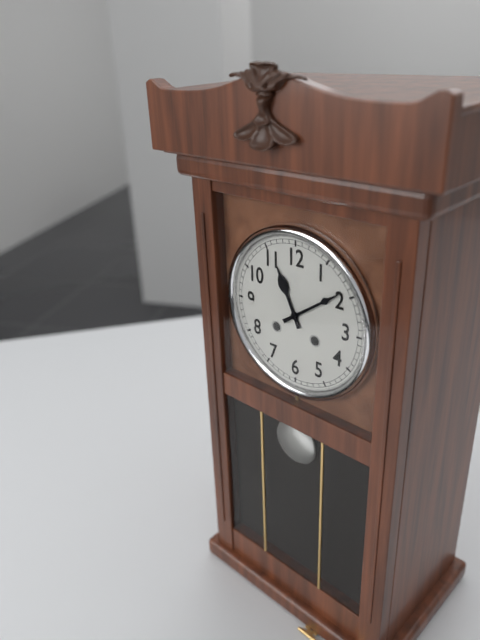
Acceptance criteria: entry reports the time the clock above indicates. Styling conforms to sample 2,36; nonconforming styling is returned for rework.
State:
11,09
